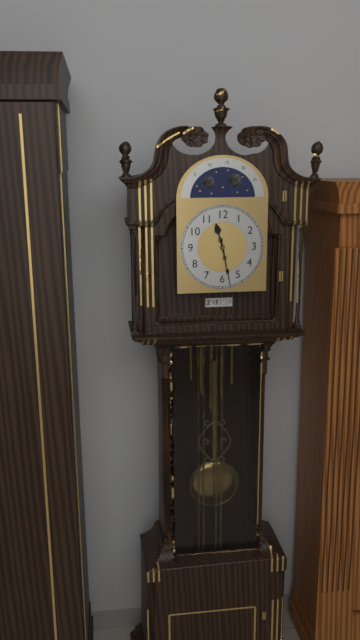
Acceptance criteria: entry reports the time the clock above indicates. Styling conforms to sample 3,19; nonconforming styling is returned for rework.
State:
11,28
